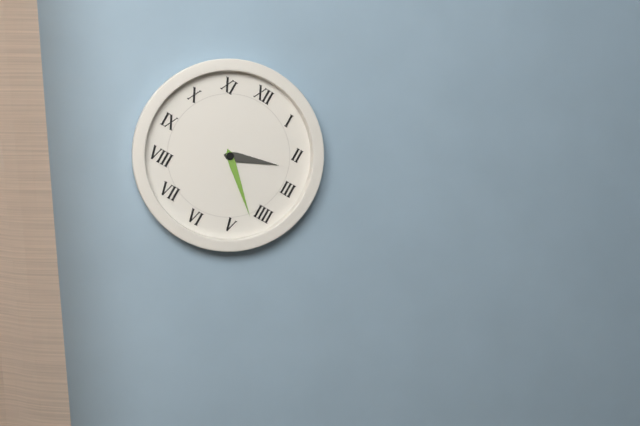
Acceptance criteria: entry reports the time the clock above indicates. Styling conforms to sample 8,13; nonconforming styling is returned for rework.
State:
2,22
